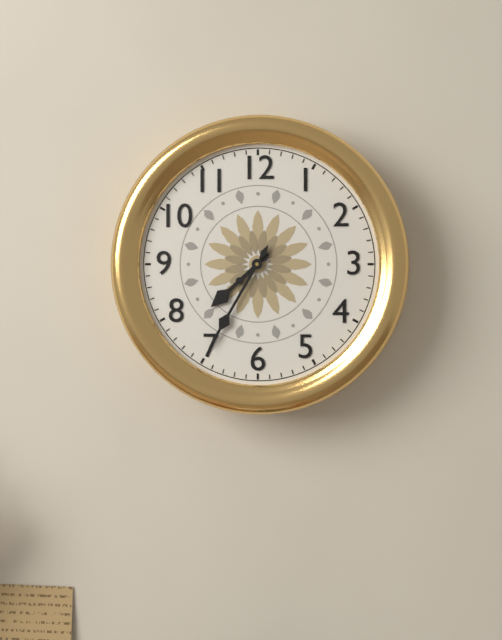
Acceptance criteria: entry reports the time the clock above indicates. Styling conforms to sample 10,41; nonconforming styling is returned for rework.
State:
7,35
